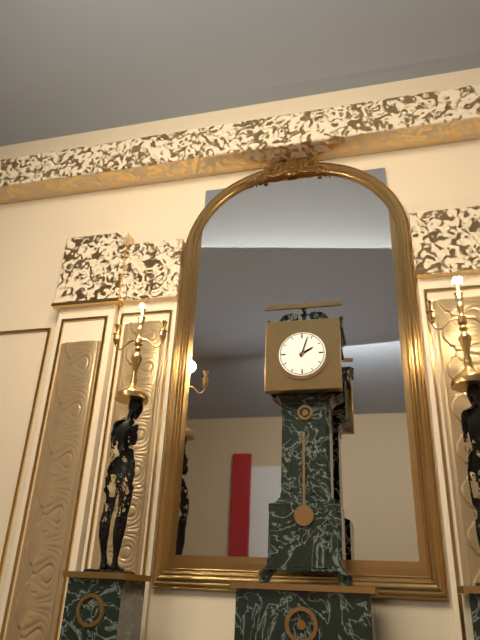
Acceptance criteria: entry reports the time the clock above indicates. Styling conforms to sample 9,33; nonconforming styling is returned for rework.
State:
2,03
